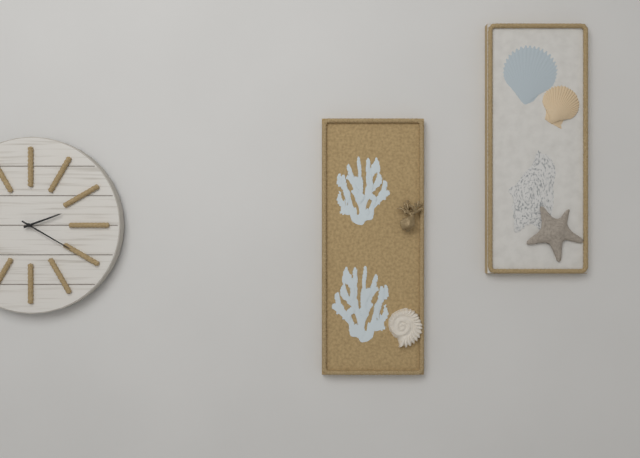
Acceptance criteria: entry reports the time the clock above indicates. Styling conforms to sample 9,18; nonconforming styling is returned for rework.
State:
2,20
